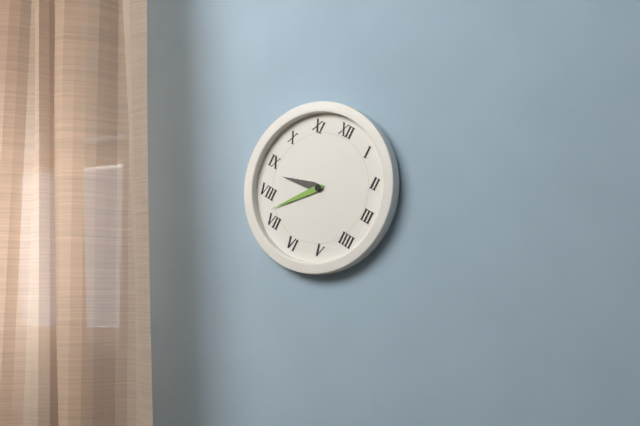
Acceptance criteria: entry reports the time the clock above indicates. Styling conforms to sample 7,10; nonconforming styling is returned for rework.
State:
8,37
